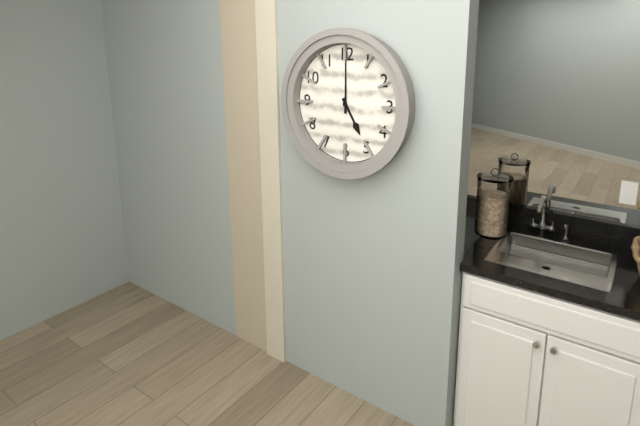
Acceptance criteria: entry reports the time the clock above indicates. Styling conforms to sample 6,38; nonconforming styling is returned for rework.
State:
5,00
